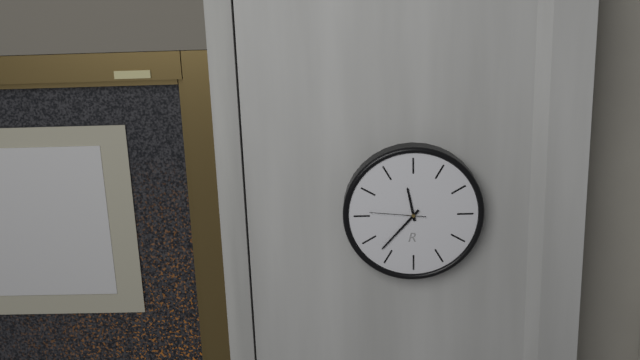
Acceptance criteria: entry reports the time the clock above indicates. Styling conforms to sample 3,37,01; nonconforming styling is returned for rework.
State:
11,37,46
